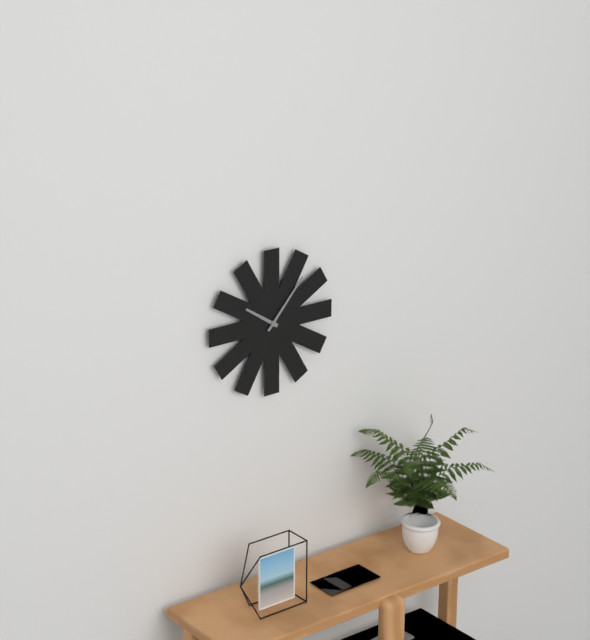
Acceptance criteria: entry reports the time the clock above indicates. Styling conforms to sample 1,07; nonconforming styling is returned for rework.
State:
10,07
